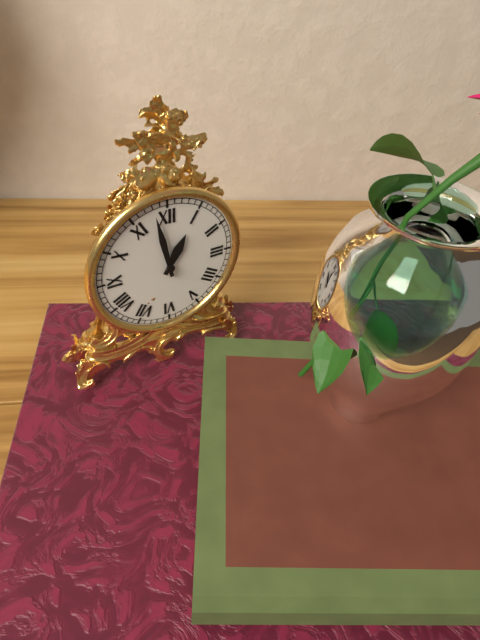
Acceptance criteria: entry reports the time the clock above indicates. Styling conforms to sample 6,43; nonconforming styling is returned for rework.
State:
12,58
